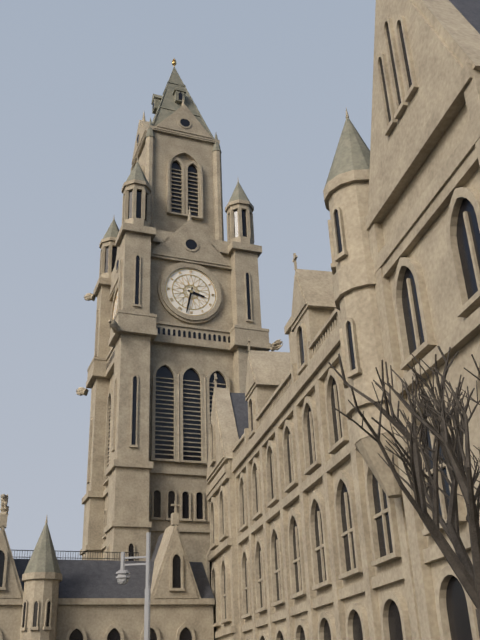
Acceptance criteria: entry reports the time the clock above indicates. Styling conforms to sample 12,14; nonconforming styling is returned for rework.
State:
3,32
